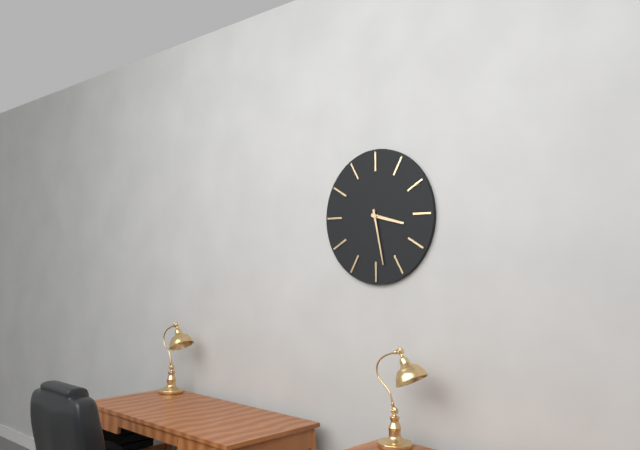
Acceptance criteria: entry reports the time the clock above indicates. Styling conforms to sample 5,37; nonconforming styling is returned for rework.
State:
3,28
